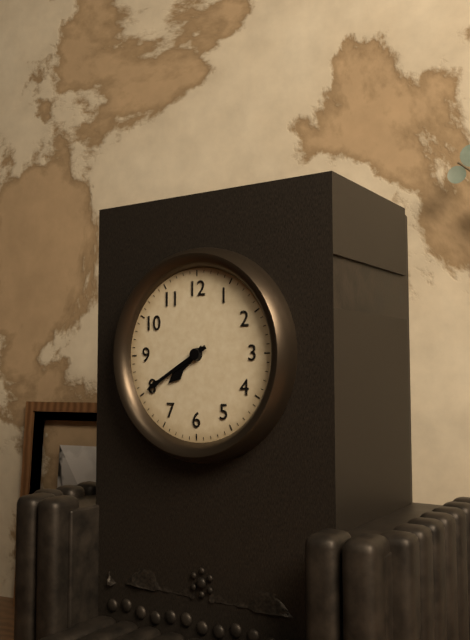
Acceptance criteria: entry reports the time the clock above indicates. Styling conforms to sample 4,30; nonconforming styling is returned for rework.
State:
7,40
